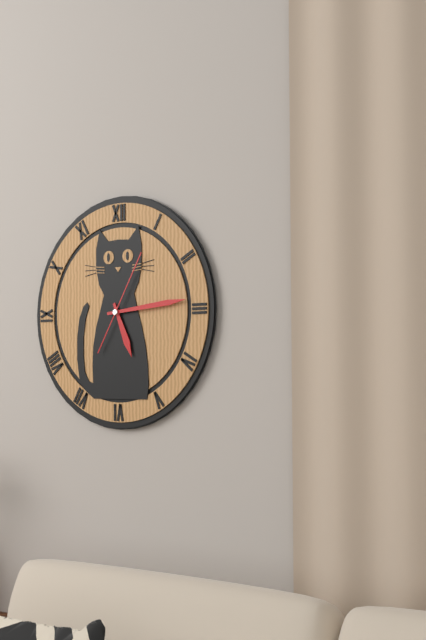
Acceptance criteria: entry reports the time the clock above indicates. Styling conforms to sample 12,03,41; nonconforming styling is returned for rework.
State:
5,14,05
